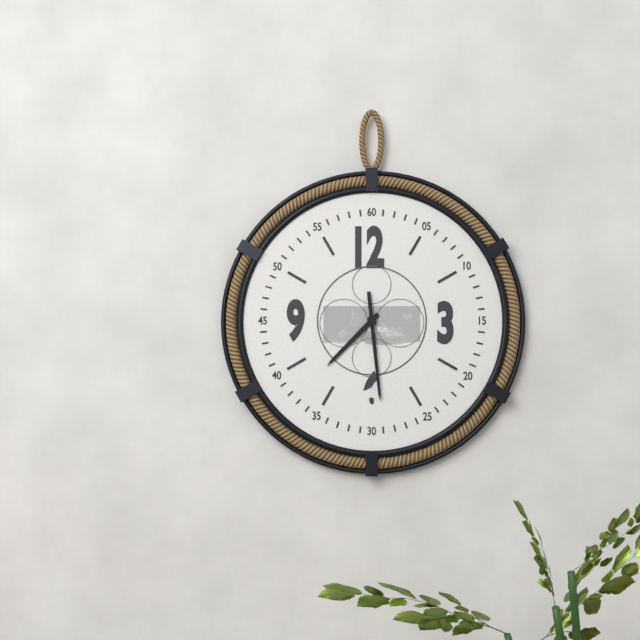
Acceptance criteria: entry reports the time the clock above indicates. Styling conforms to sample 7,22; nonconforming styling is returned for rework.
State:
7,29
